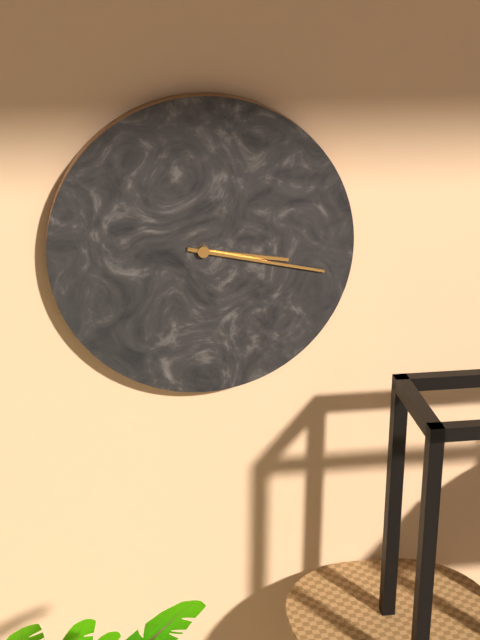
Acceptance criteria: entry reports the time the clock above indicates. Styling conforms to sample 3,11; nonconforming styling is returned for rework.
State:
3,17
